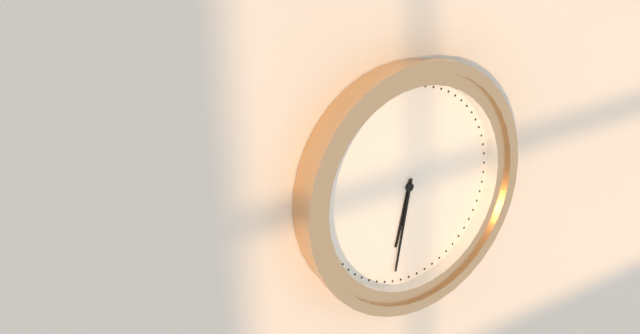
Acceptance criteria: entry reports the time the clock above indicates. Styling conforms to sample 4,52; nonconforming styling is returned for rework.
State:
6,32
